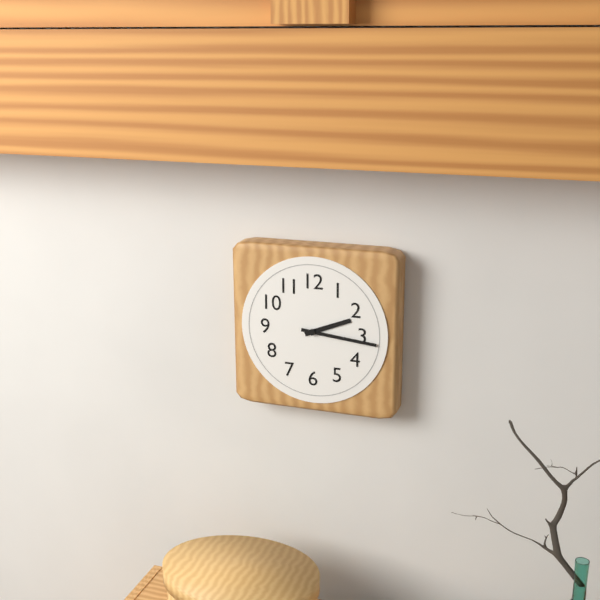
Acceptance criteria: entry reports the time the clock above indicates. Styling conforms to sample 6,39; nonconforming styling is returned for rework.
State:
2,16
